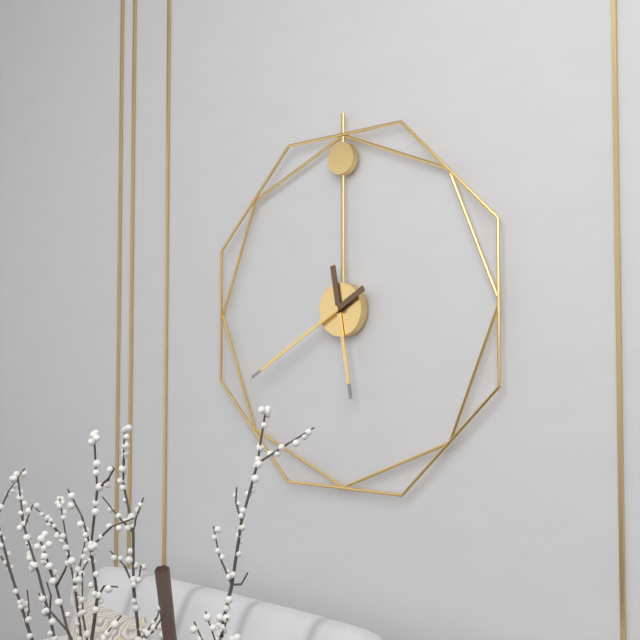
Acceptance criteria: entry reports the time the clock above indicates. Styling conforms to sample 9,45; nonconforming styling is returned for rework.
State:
5,40
